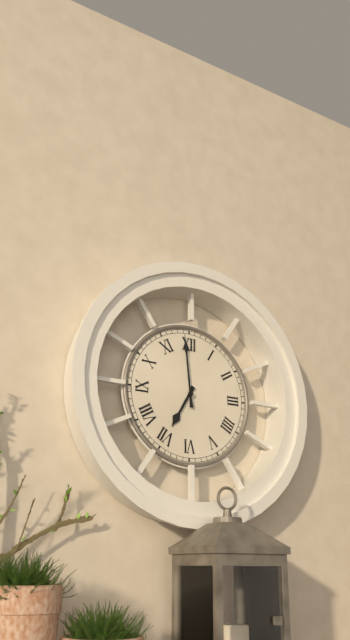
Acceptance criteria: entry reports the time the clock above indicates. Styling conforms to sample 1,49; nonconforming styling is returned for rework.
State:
6,59
